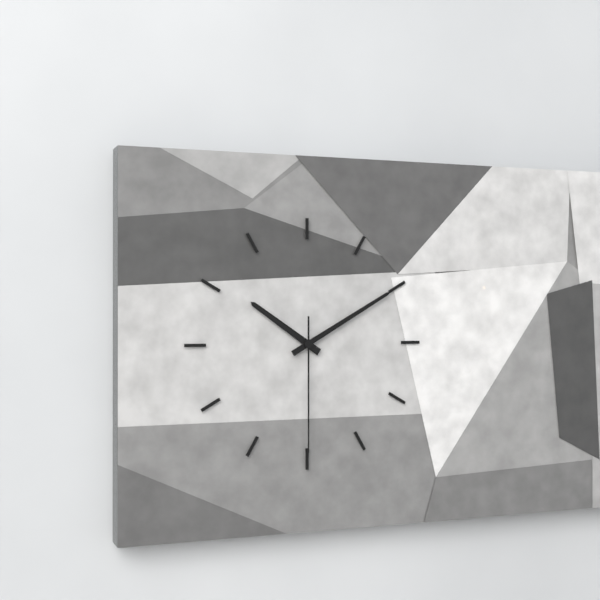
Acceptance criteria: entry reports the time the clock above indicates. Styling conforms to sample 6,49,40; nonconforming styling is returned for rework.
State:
10,10,30
